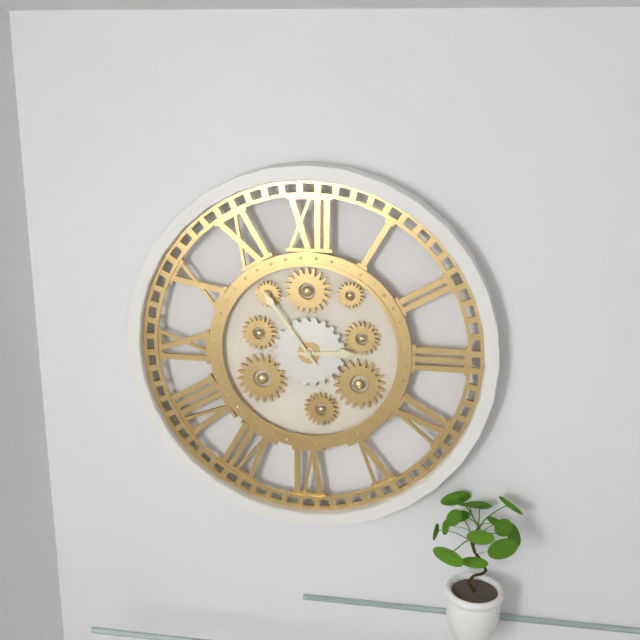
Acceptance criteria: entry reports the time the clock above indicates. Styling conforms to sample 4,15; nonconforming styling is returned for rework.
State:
2,54
